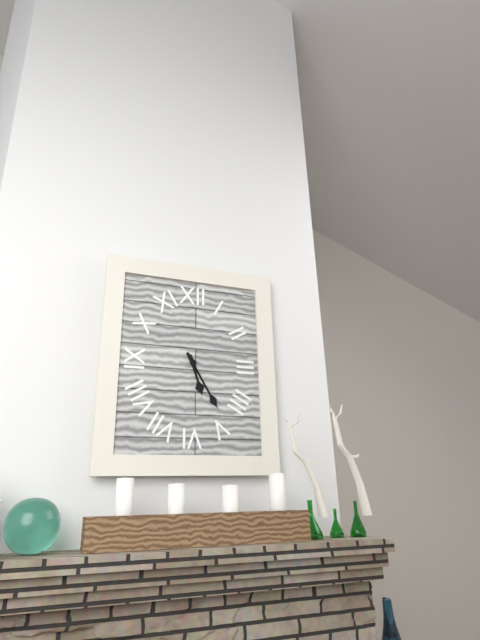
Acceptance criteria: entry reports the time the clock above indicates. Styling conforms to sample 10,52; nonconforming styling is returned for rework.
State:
5,25
